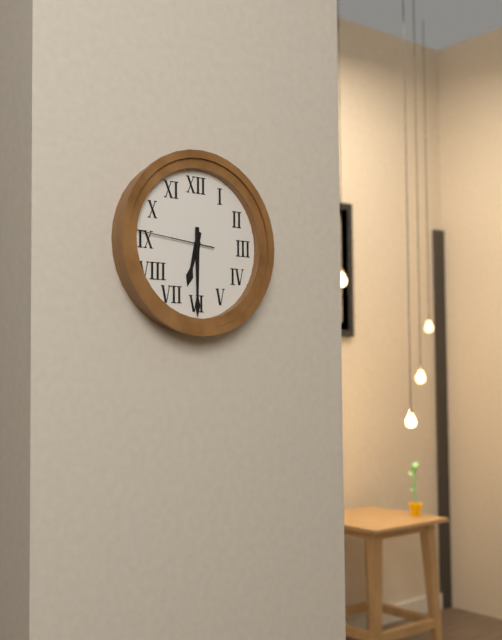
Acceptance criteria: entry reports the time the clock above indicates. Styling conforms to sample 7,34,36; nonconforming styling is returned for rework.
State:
6,30,46
